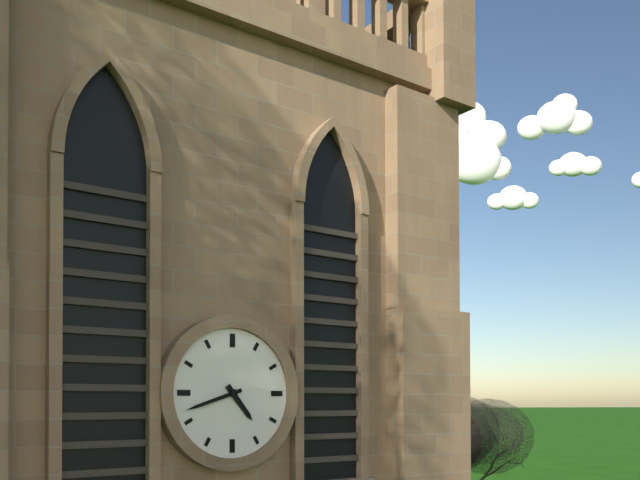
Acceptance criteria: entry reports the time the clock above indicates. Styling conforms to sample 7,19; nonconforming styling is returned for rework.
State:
4,42
